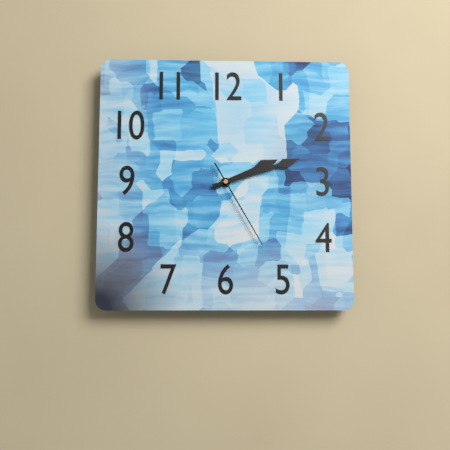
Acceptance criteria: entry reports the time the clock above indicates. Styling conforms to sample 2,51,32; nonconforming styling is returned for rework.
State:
2,12,25
